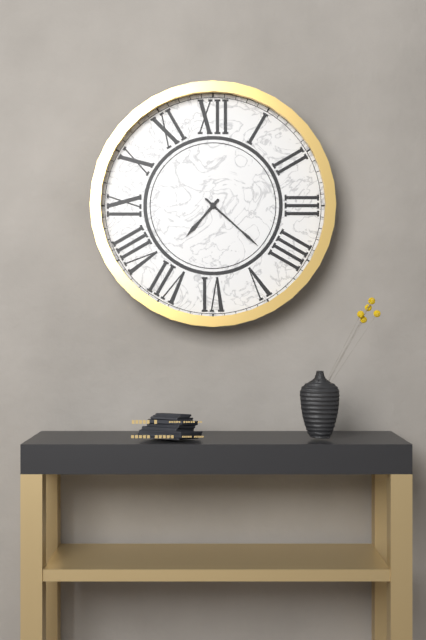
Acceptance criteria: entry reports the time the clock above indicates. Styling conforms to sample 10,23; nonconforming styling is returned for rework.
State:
7,22
